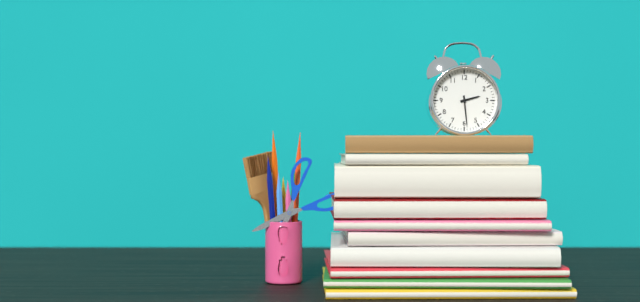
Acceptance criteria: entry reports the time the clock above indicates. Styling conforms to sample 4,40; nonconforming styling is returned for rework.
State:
2,29
